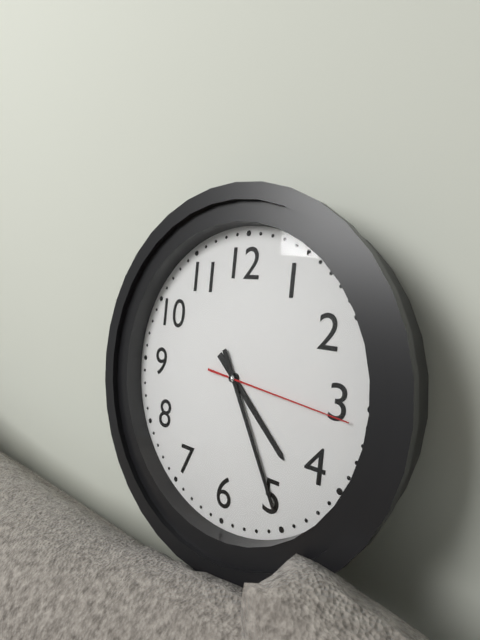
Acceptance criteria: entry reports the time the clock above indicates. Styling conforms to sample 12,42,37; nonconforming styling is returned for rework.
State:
4,25,16
